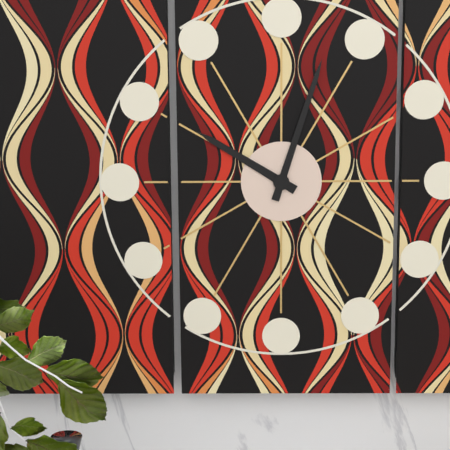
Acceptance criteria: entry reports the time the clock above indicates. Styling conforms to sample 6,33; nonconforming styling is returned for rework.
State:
10,03
